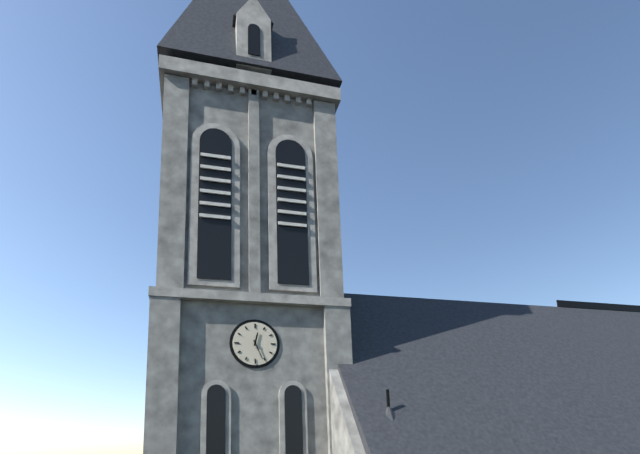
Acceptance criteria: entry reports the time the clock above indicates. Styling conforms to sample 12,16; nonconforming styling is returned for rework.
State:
12,26
